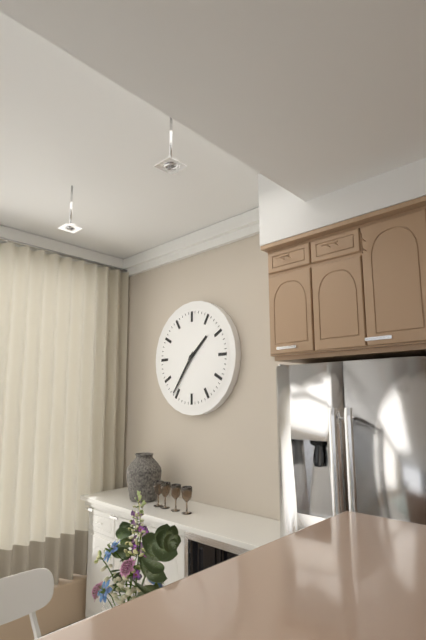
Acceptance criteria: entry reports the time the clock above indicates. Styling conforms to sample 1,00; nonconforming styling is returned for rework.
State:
1,36
